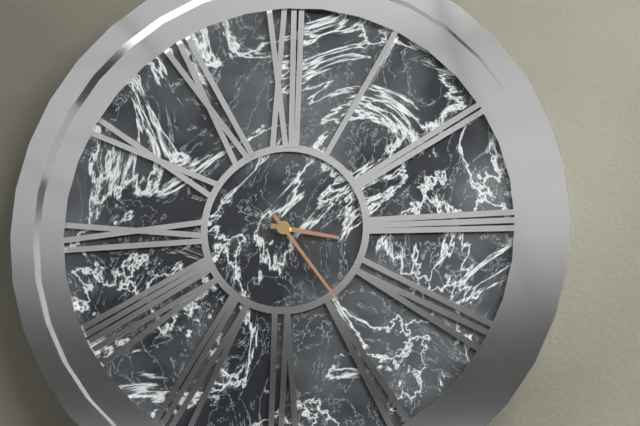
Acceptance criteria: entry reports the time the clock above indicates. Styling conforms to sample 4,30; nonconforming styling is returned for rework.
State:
3,24
